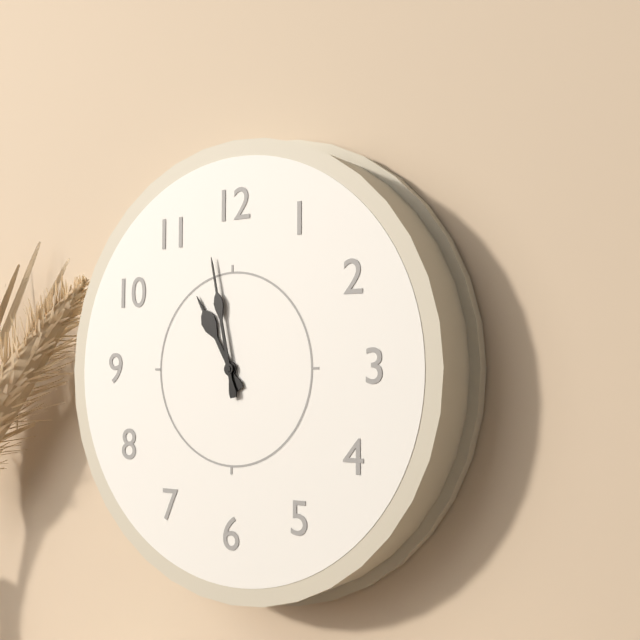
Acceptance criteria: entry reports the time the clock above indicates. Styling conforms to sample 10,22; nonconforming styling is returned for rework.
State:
10,58
